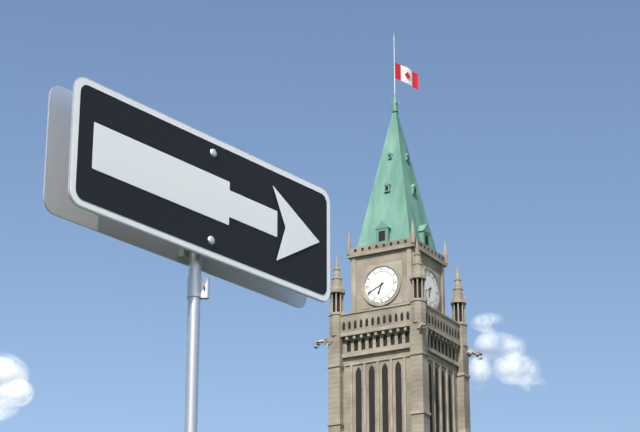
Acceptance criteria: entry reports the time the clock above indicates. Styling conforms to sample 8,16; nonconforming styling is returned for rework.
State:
6,41
